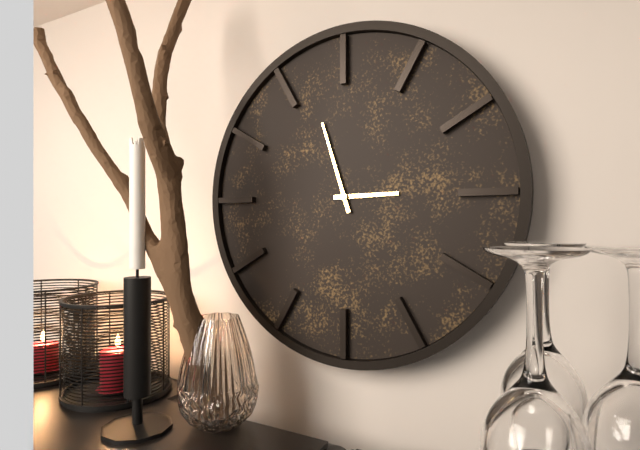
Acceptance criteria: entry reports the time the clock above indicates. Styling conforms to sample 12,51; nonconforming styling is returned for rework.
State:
2,57
